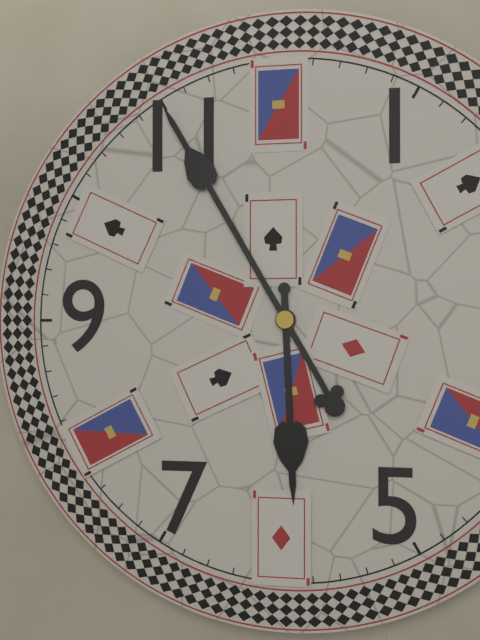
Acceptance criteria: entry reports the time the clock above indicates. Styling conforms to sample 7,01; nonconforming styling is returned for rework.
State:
5,55
